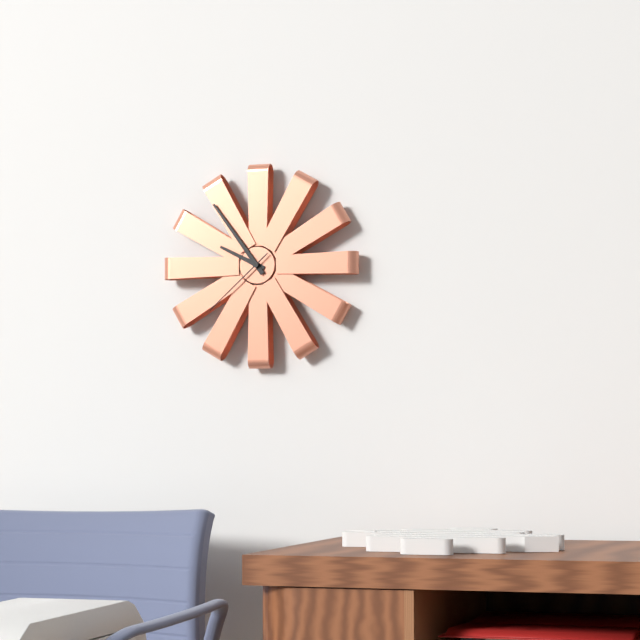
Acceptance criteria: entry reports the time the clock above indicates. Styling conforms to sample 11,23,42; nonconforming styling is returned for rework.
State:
9,54,38
